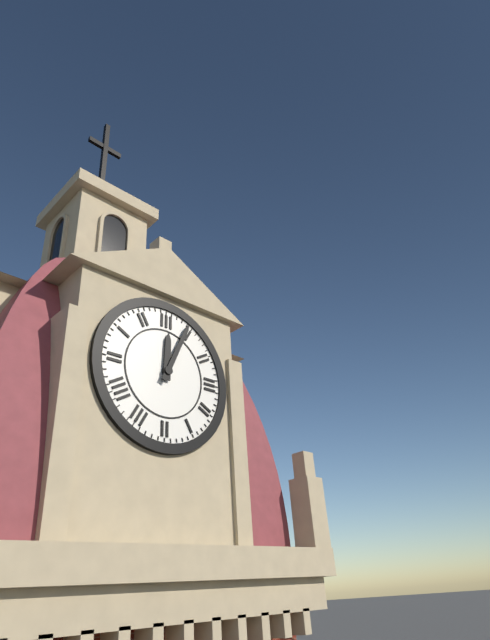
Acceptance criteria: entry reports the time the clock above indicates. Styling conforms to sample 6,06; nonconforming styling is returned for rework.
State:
12,04
